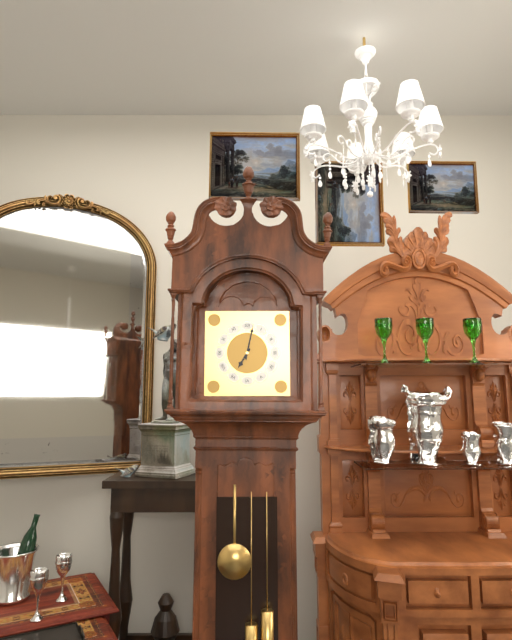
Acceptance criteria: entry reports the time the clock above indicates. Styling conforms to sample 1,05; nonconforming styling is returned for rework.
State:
7,02
